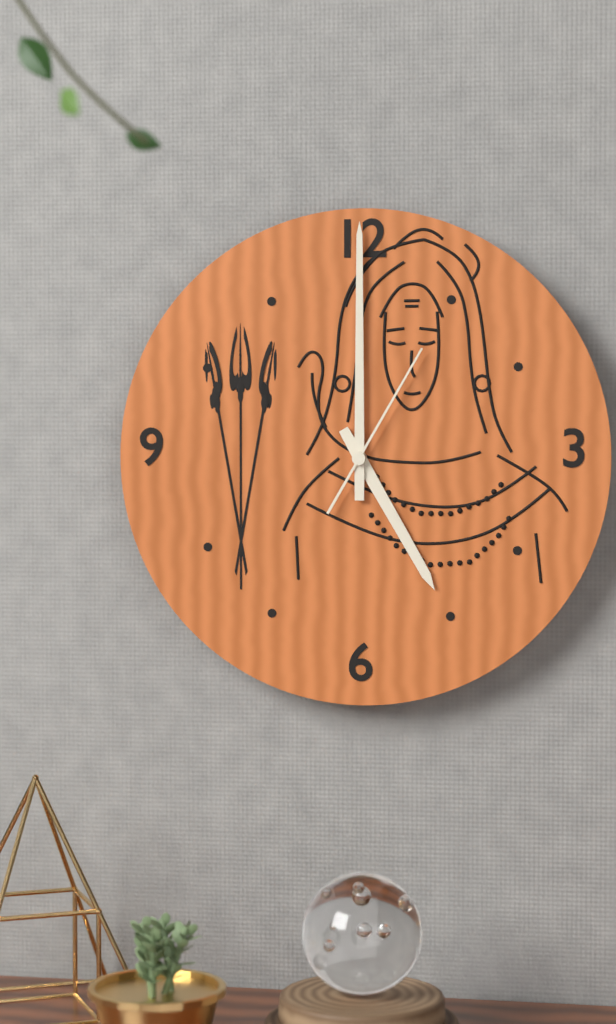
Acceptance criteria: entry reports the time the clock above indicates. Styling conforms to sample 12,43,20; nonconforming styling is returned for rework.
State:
5,00,05
